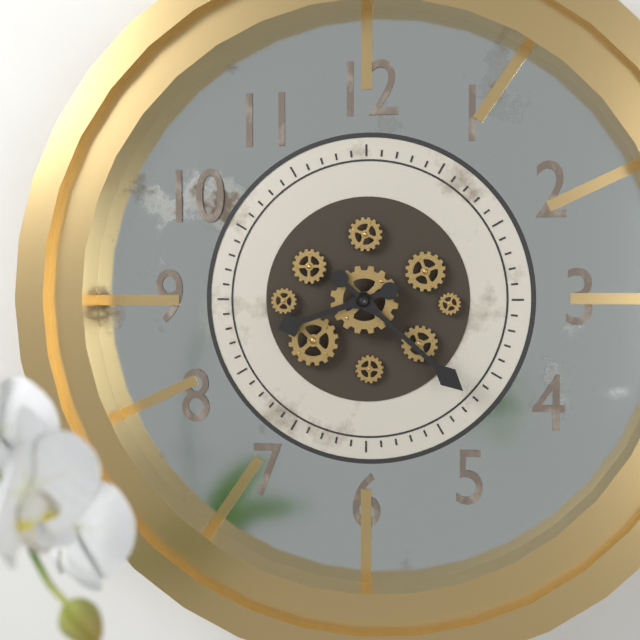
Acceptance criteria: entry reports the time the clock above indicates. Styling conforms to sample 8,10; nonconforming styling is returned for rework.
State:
8,22
